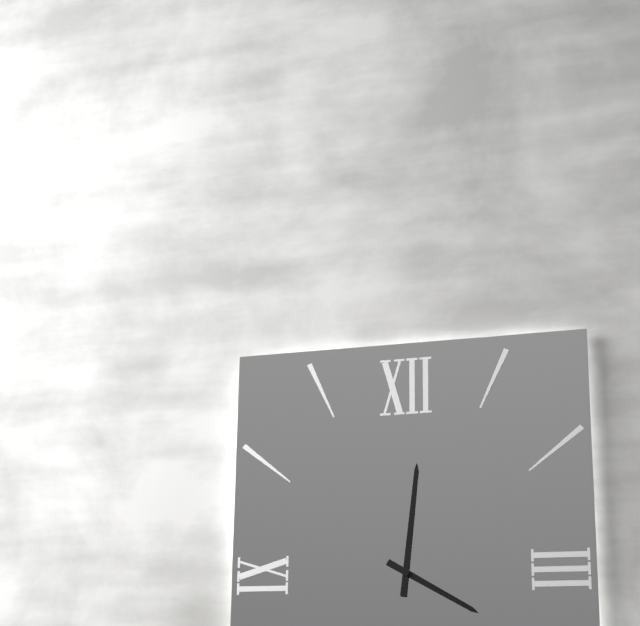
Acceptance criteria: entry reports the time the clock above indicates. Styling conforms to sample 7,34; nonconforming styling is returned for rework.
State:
4,01
